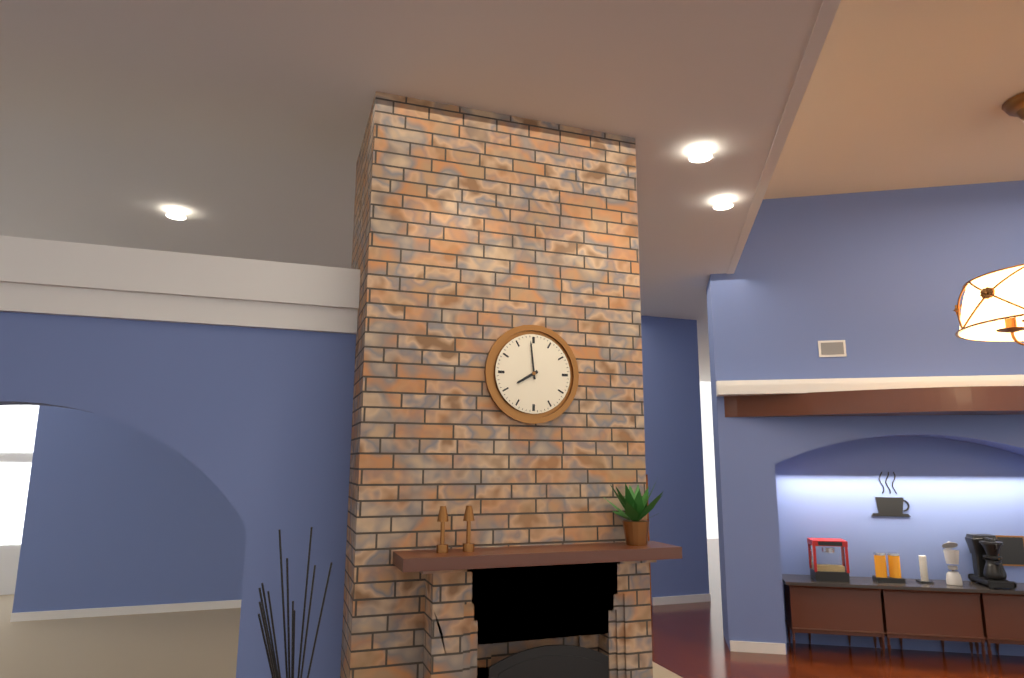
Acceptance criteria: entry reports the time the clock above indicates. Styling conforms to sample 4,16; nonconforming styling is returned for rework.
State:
7,59
